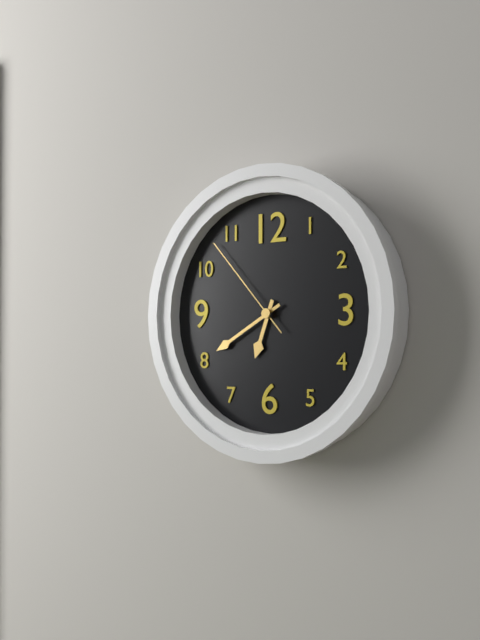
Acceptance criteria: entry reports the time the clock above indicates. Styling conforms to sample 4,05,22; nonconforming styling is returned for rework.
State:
6,40,53
